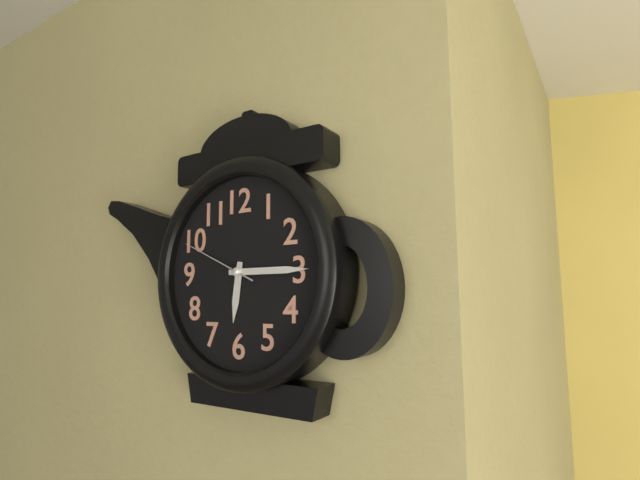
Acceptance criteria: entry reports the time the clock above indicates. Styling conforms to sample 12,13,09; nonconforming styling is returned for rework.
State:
6,15,49
